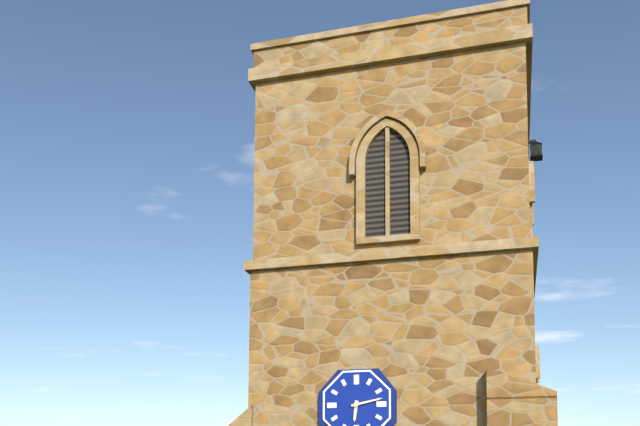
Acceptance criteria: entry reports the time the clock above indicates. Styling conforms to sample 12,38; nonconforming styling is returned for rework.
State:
6,13
